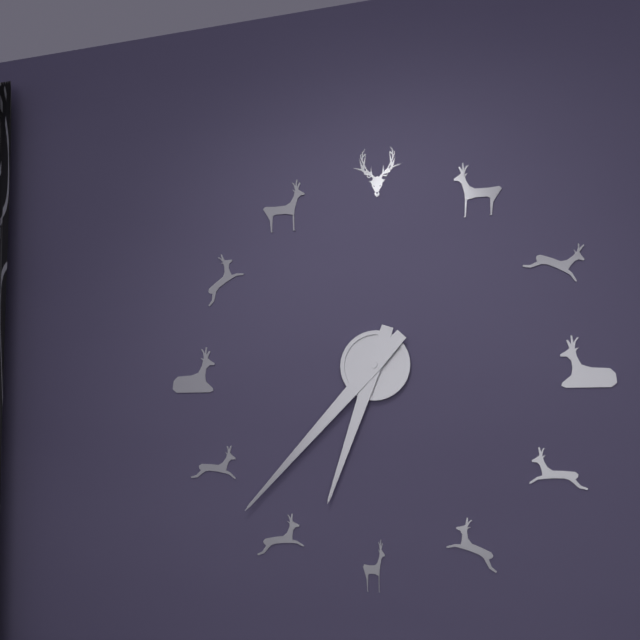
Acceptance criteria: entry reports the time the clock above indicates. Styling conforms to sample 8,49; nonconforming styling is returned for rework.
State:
6,37
